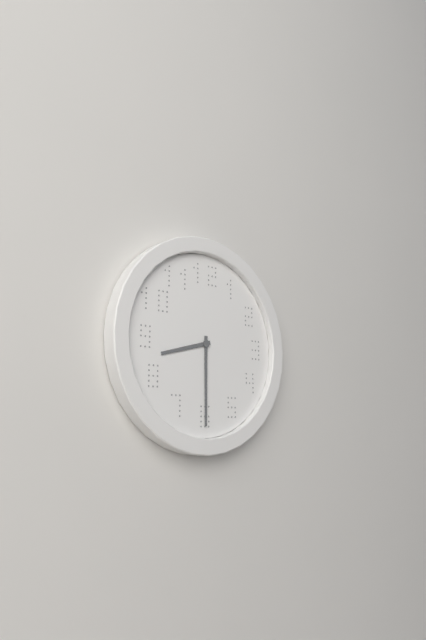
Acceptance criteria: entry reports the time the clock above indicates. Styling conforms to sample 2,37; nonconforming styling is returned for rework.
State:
8,30
